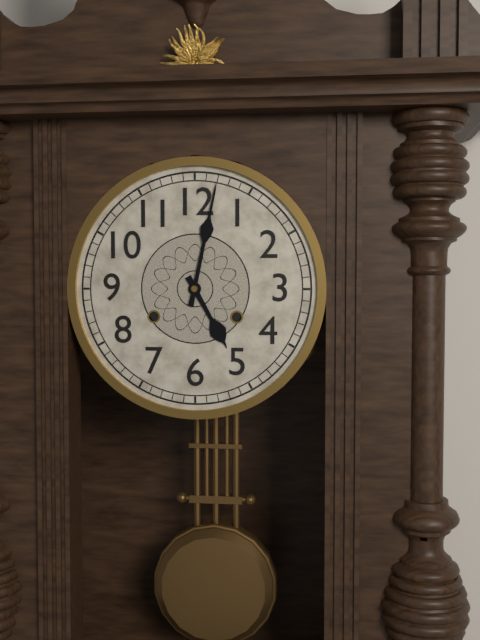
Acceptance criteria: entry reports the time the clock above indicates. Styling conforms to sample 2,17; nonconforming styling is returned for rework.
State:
5,02
